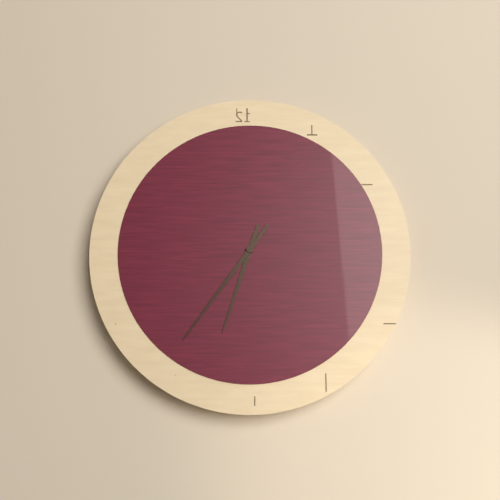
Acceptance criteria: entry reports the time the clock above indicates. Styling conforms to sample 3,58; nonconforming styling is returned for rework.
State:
6,36
